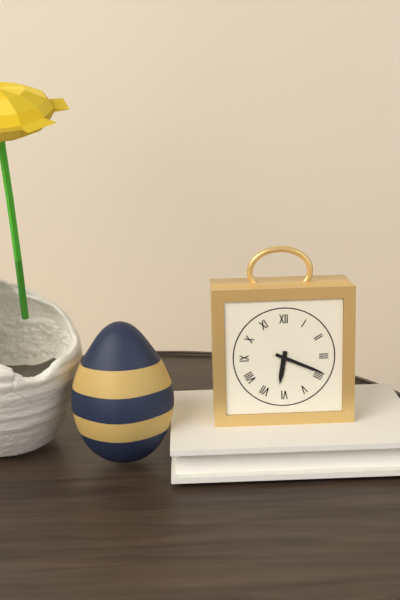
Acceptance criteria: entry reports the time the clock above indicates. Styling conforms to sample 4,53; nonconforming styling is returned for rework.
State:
6,19
